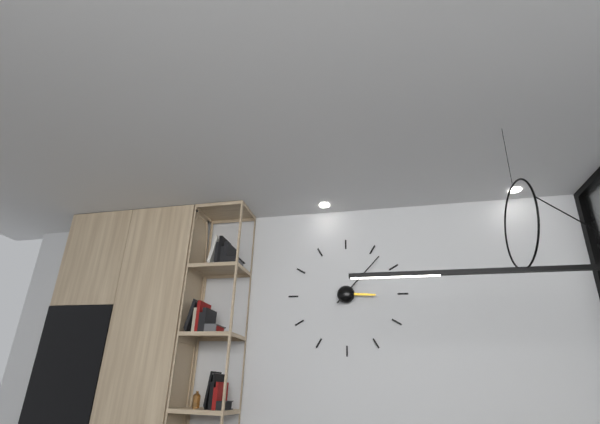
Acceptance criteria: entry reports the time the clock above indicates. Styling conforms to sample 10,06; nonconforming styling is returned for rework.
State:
3,07
